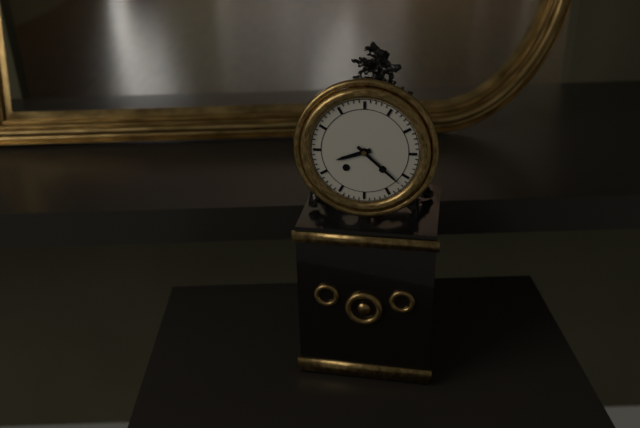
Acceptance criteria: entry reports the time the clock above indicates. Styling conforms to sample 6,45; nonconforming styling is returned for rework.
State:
8,22
